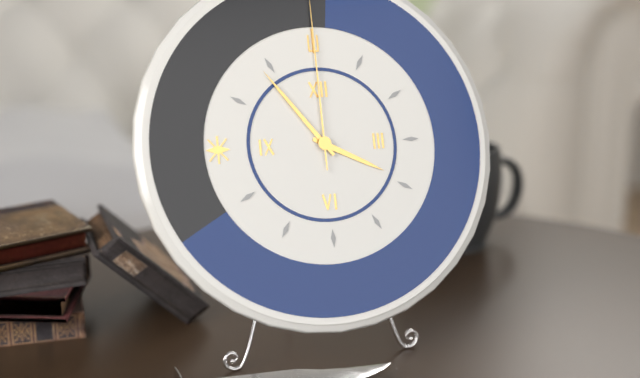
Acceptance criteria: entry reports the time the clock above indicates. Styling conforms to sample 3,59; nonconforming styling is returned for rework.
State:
3,54
